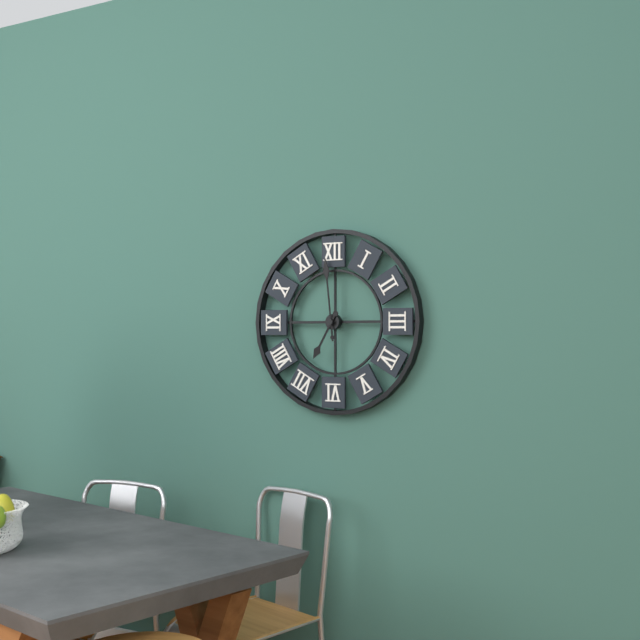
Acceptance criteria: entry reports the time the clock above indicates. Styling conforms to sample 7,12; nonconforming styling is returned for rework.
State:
6,59
